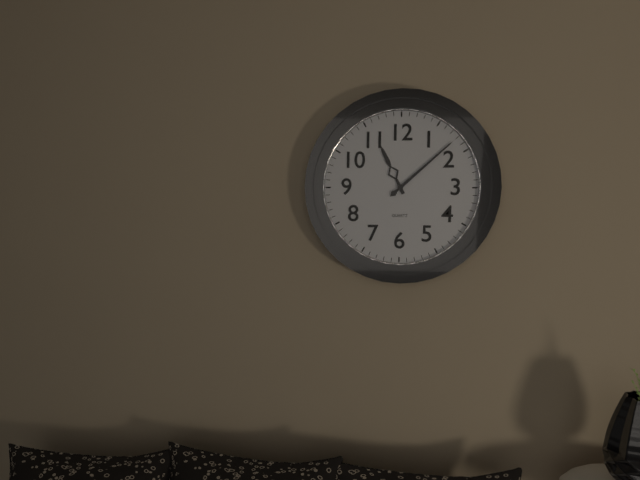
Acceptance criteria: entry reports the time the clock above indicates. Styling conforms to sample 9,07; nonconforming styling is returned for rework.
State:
11,08
